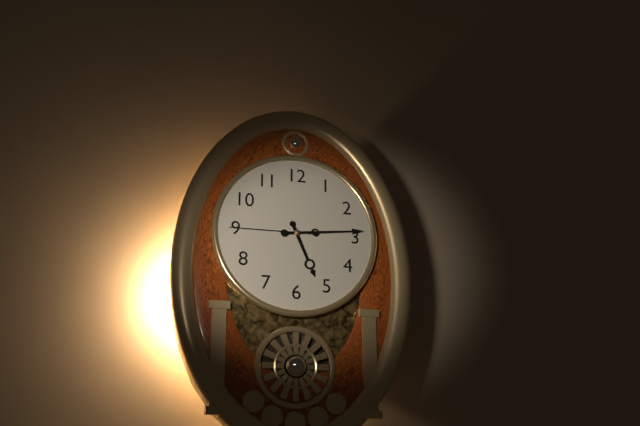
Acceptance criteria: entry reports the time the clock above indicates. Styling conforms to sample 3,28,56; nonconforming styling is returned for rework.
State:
5,14,45
